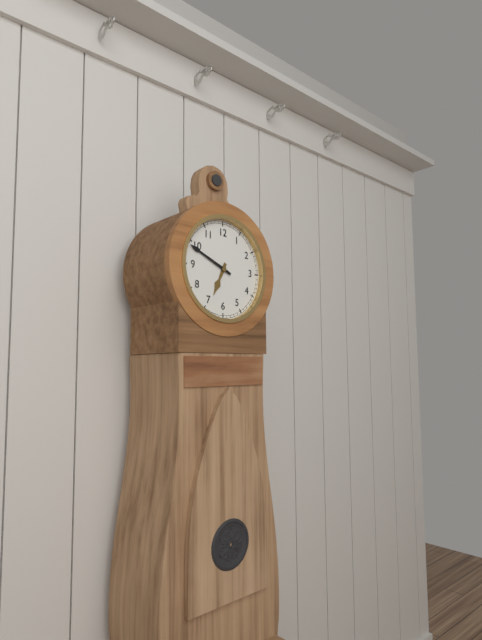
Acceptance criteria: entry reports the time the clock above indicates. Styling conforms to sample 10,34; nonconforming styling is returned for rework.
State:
6,49
